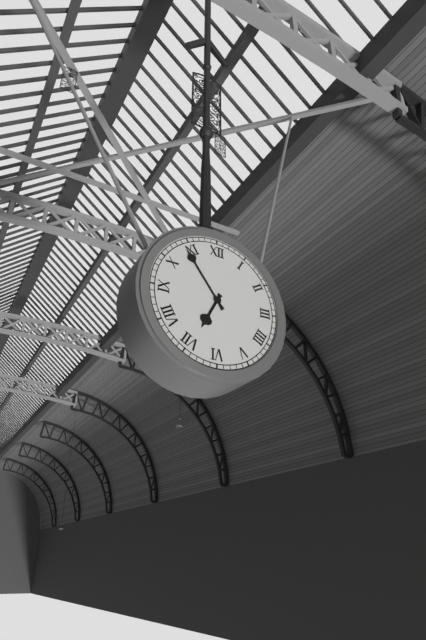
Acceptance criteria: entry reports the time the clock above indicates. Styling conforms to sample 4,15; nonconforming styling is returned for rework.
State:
6,54
